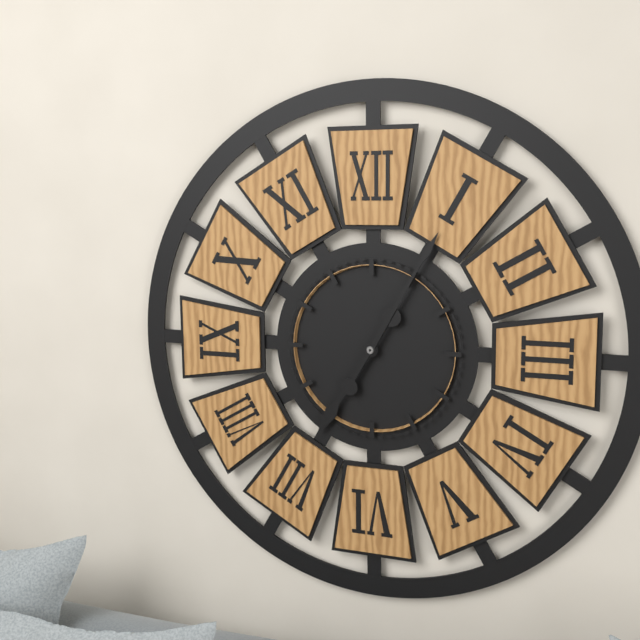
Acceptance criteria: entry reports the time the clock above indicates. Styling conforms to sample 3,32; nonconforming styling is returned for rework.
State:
7,05
